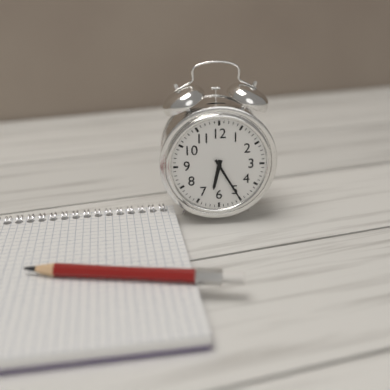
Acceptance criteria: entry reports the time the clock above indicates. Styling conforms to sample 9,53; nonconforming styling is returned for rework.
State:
6,25
